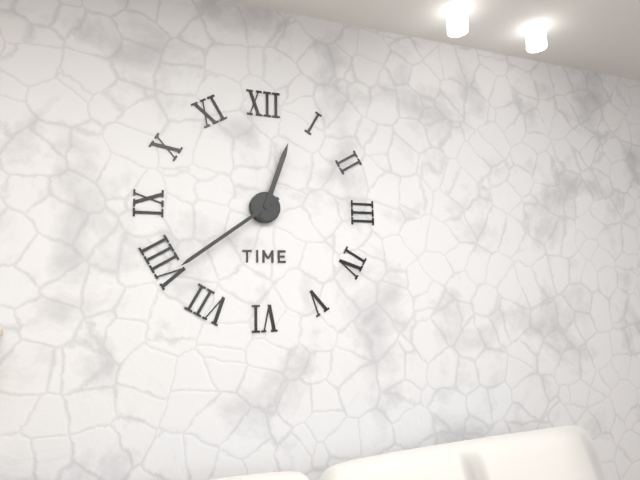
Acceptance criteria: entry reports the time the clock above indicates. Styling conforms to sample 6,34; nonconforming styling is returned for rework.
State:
12,39
